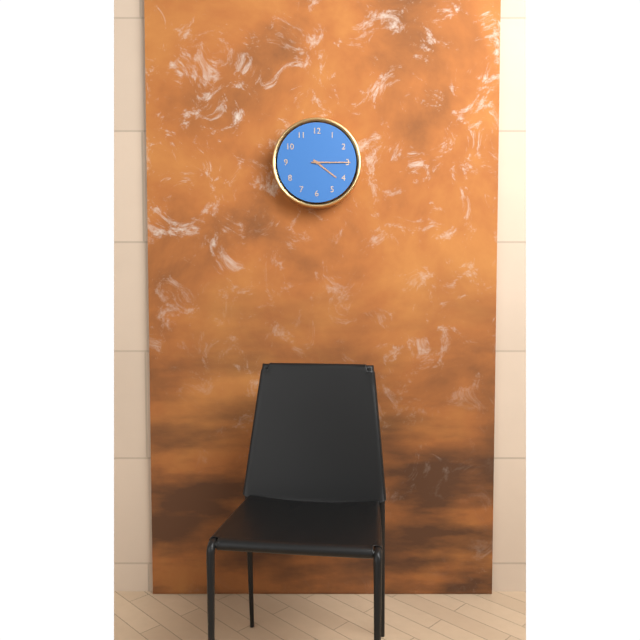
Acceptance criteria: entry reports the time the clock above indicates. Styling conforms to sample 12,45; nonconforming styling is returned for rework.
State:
4,15
